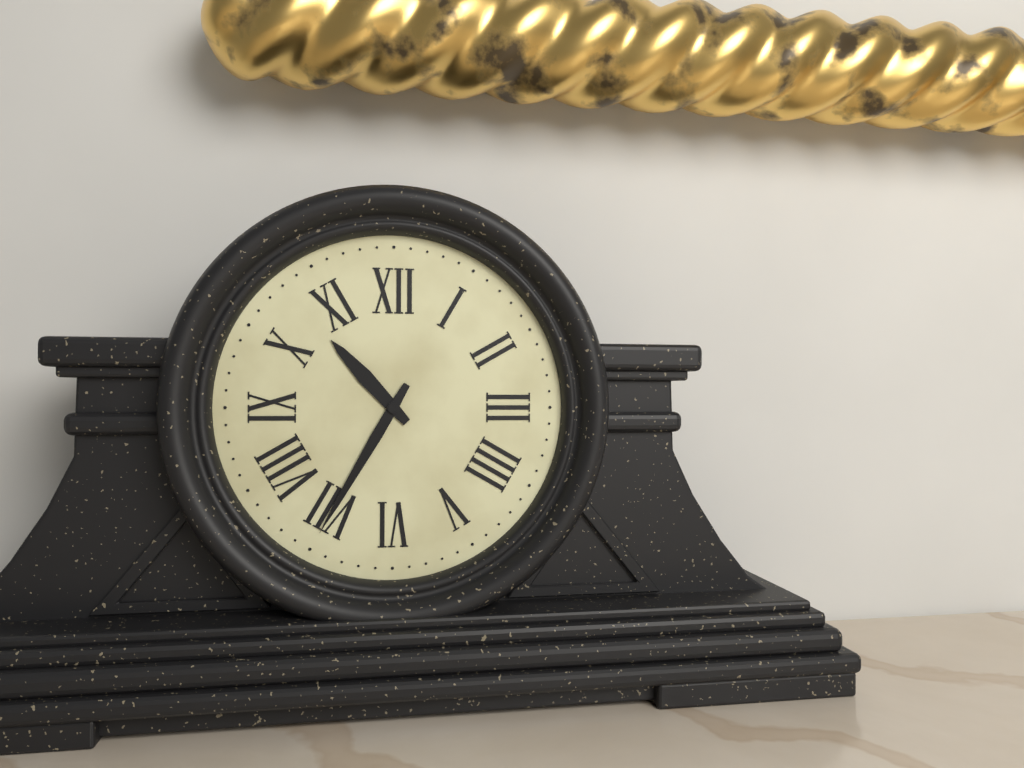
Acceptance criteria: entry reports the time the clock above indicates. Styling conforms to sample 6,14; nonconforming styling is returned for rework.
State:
10,35
